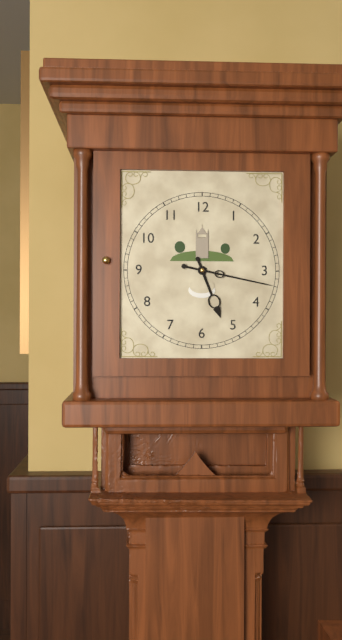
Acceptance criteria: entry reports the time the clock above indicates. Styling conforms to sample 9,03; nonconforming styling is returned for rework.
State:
5,17
